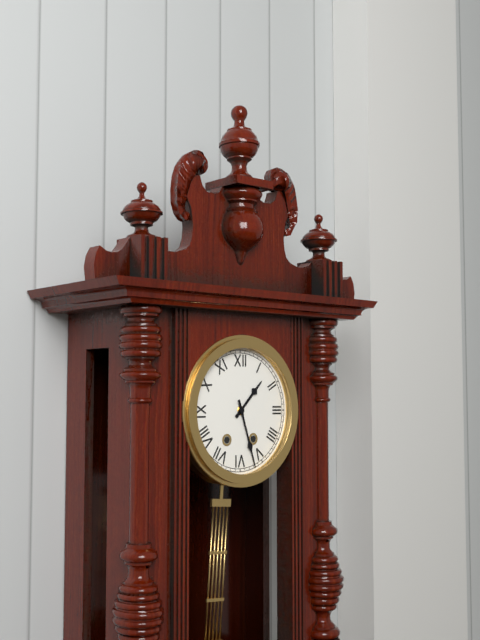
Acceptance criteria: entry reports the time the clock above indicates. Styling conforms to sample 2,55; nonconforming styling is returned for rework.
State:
1,27
